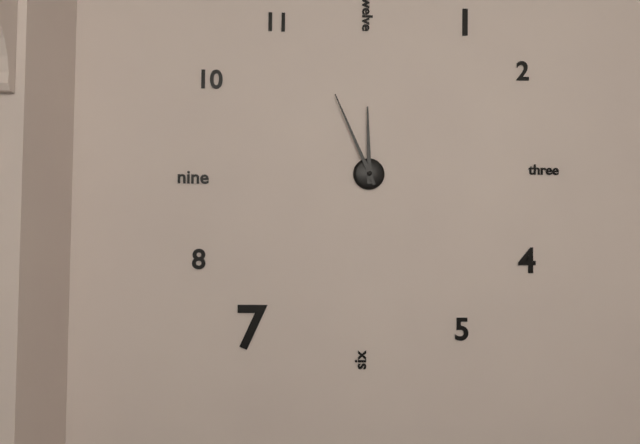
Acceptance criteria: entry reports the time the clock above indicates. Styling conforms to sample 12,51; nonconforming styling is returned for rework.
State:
11,56
